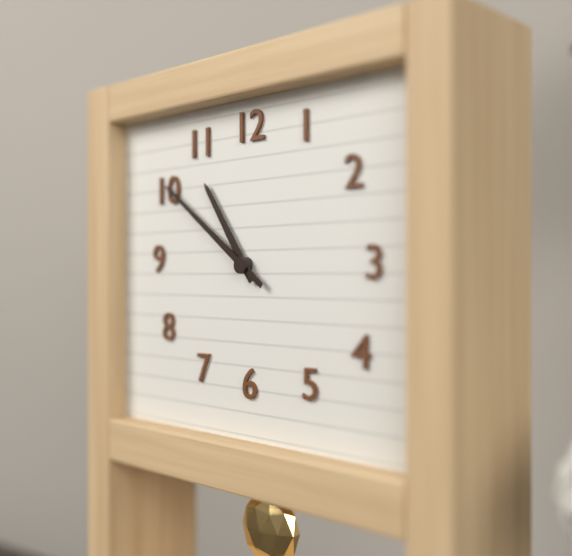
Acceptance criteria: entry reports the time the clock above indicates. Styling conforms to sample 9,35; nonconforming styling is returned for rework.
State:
10,51
